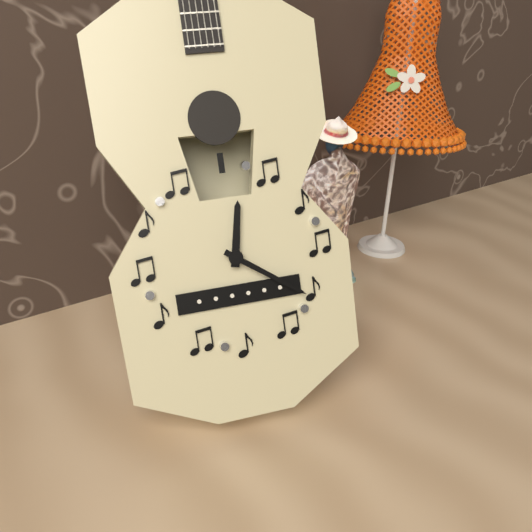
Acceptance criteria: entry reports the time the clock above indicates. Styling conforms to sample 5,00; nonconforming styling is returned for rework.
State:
12,21
